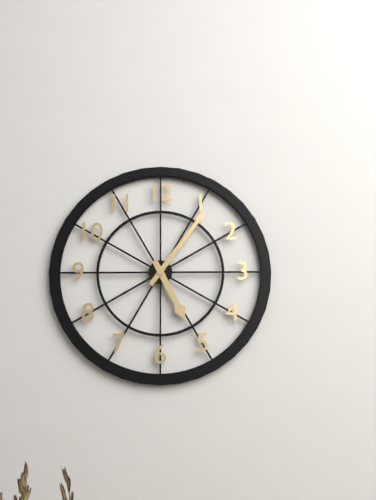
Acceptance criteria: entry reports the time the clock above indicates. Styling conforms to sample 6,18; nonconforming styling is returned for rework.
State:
5,06
